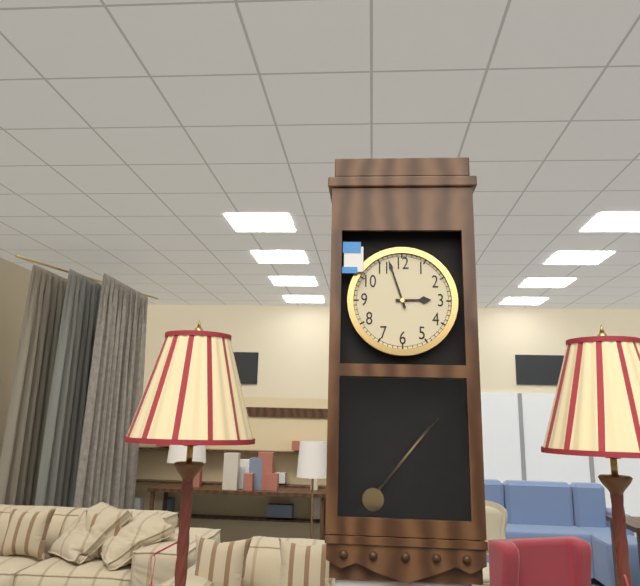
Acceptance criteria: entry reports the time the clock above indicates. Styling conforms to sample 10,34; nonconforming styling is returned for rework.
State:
2,57
